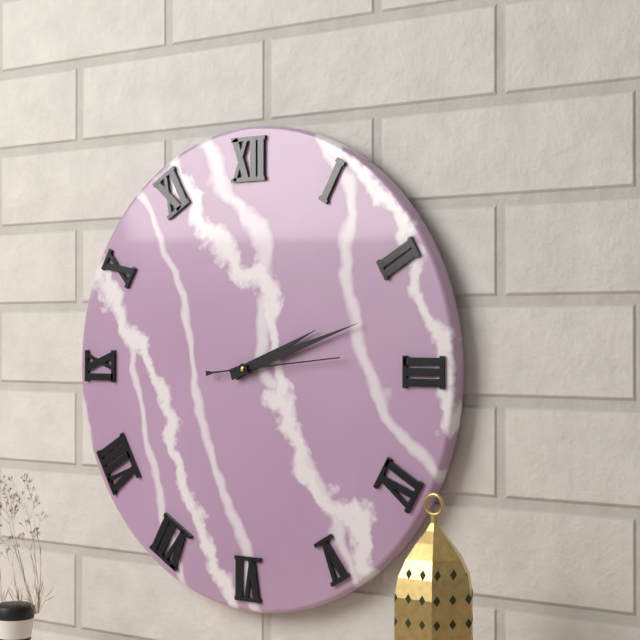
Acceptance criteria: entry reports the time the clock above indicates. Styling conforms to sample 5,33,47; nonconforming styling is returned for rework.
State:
2,12,14
